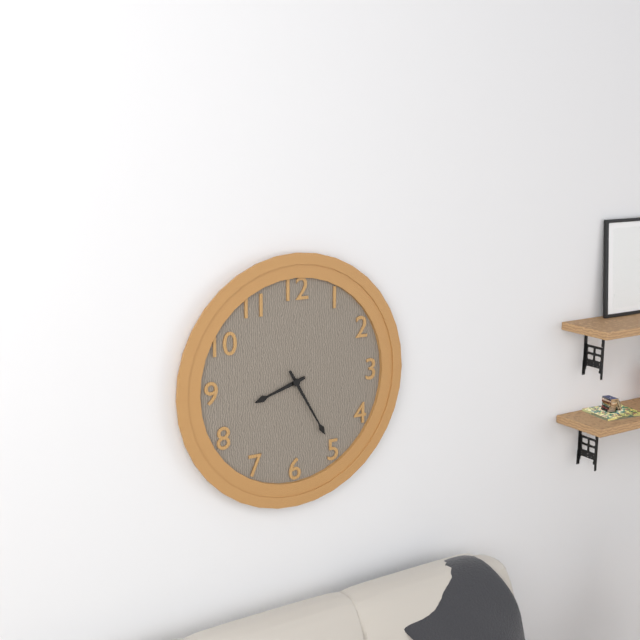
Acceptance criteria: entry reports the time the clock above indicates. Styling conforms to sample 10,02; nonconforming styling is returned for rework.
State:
8,25
